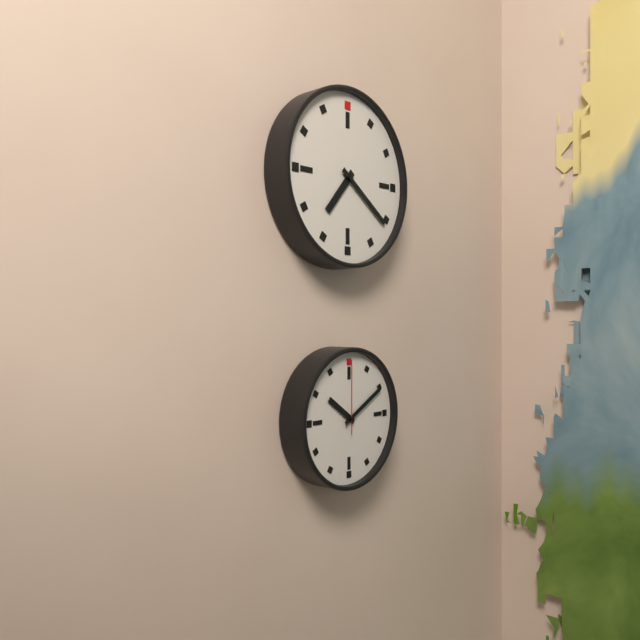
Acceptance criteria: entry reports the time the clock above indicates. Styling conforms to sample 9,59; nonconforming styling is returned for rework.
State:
7,21
